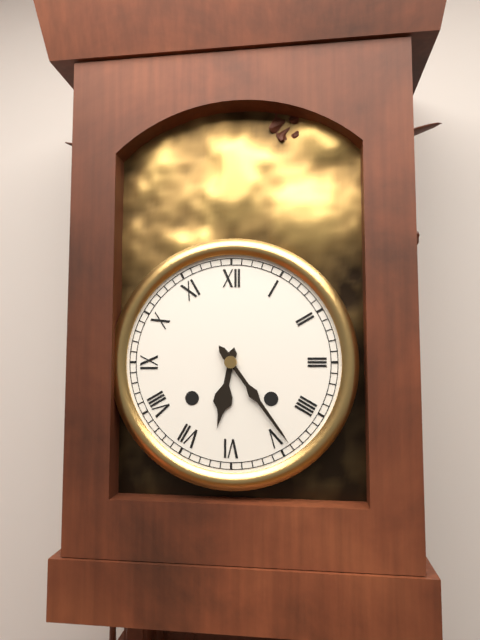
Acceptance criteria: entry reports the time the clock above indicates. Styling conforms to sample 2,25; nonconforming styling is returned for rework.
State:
6,24
